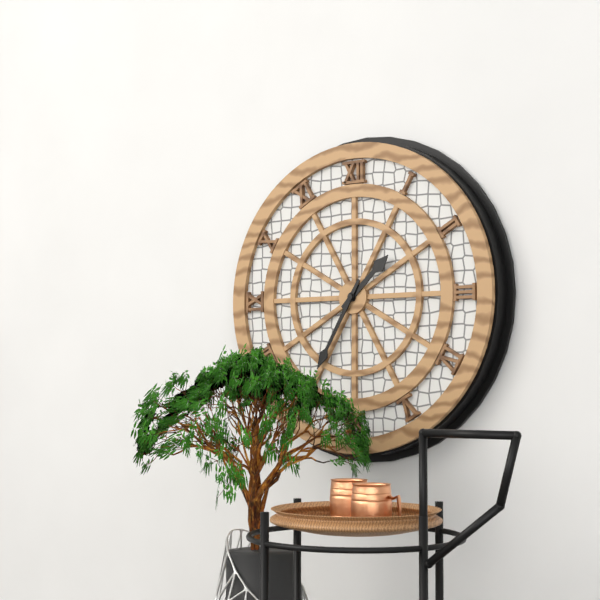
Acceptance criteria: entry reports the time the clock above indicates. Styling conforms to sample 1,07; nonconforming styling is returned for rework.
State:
1,35
